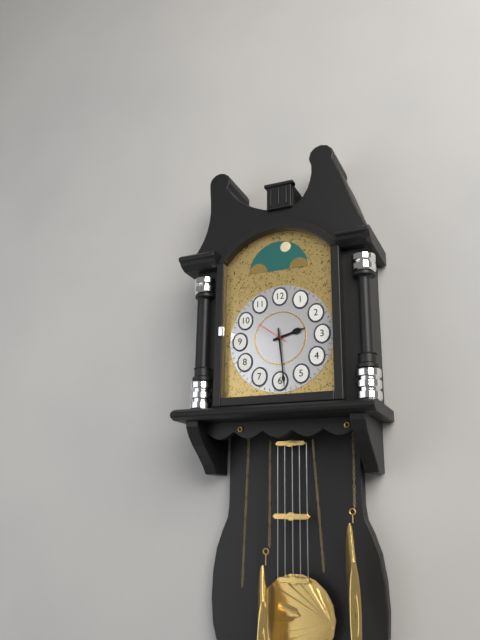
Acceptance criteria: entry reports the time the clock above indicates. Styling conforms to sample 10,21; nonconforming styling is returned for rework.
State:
2,29
